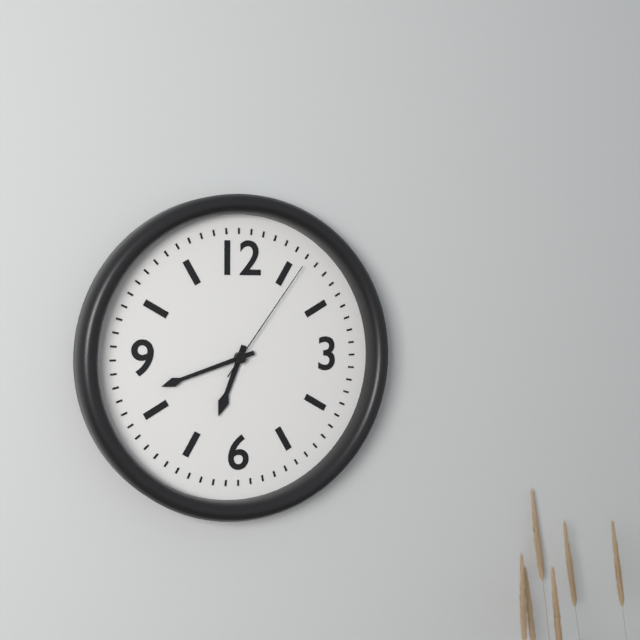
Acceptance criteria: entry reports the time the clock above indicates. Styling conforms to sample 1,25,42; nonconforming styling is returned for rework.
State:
6,42,06
